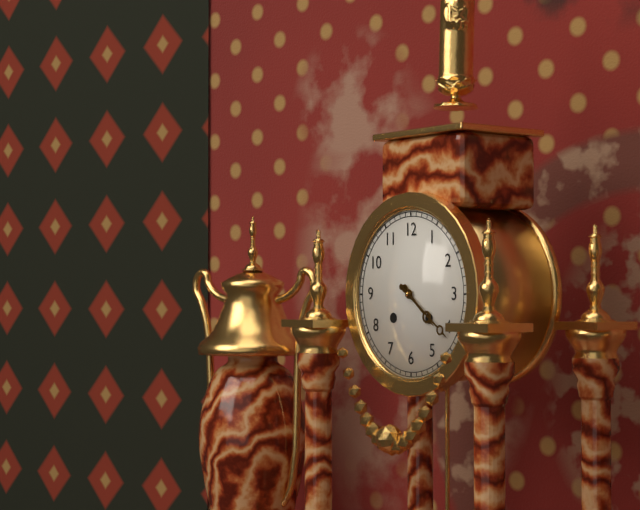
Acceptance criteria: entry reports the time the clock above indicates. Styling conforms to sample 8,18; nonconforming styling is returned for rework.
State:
4,21
